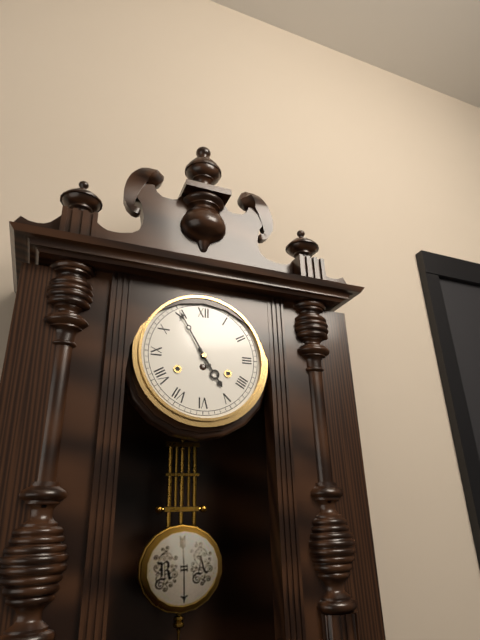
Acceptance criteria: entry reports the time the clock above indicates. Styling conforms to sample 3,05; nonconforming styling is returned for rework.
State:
4,55
